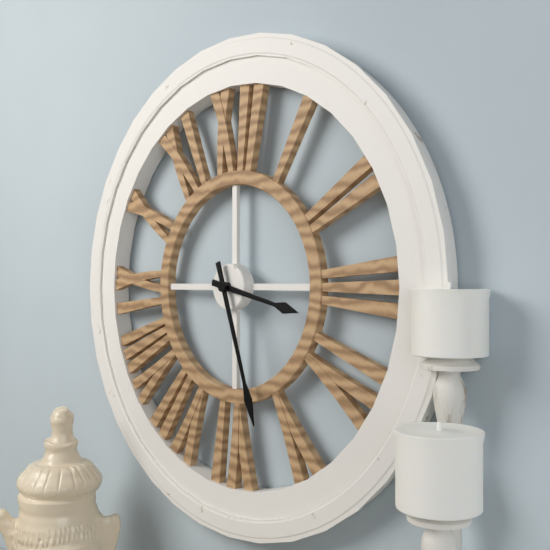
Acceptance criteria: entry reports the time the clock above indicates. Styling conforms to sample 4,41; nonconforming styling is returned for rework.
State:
3,27
